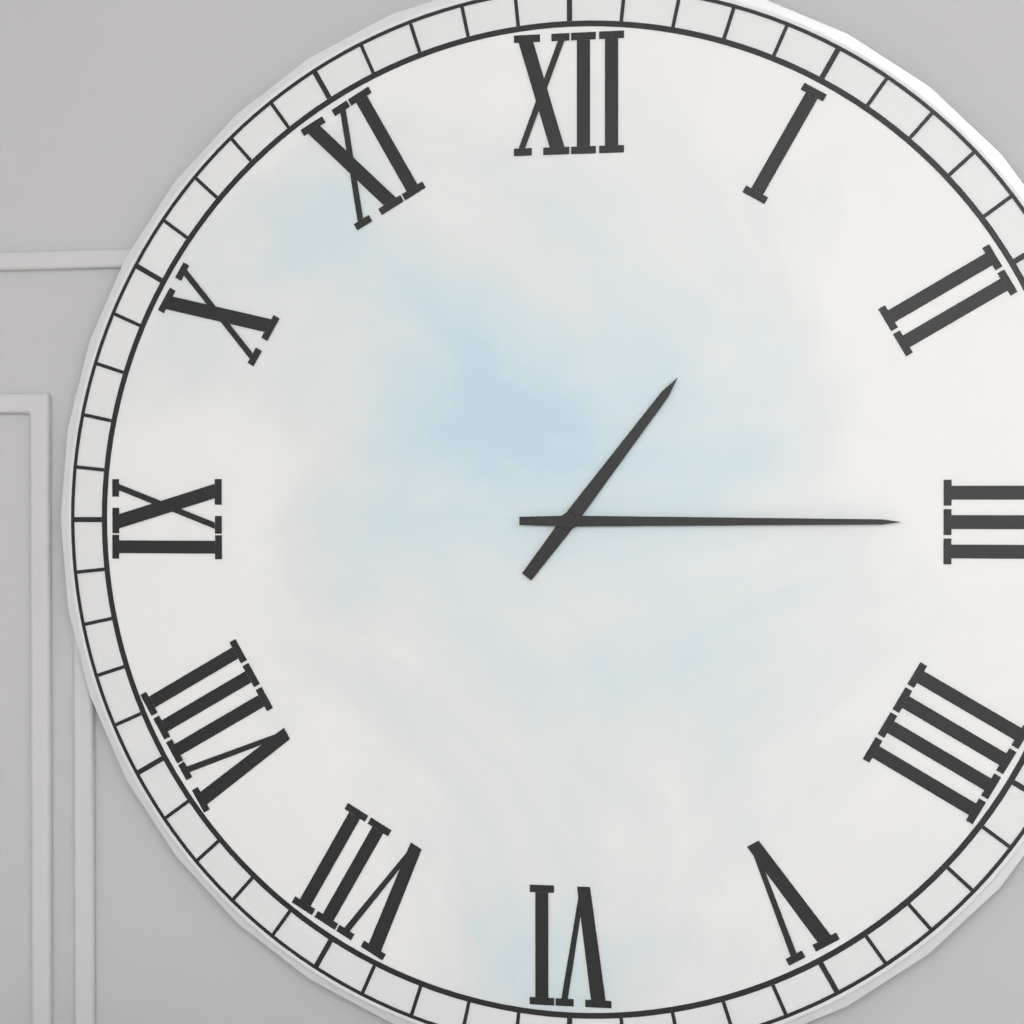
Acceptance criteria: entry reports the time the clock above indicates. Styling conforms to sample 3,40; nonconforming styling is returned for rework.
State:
1,15
